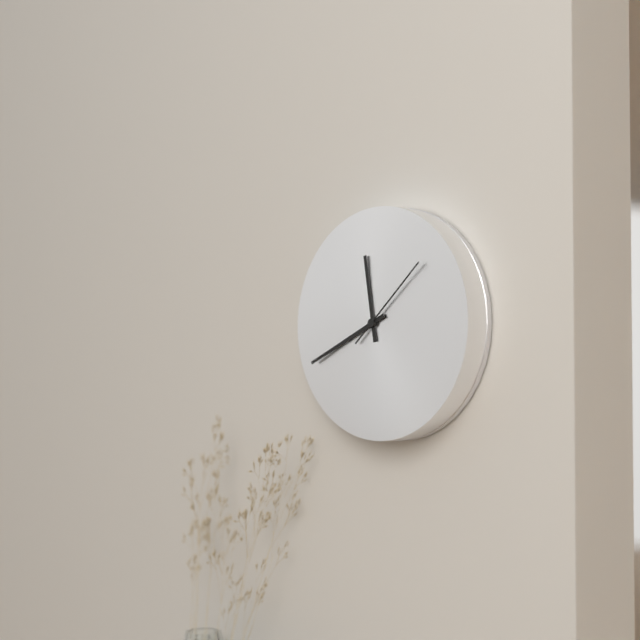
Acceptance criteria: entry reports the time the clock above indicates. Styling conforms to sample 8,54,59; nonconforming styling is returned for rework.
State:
11,41,08
